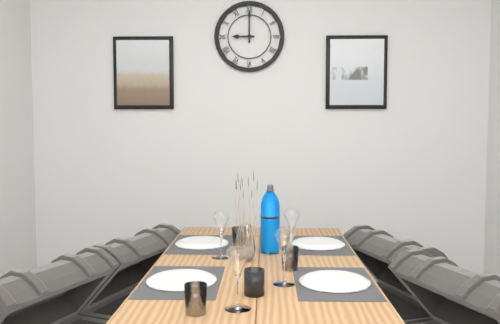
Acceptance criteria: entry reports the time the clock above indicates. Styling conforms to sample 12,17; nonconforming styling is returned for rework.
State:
9,00
